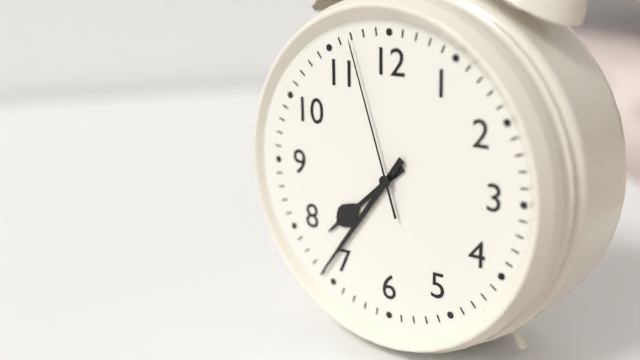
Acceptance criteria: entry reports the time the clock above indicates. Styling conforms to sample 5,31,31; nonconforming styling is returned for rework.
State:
7,36,57
